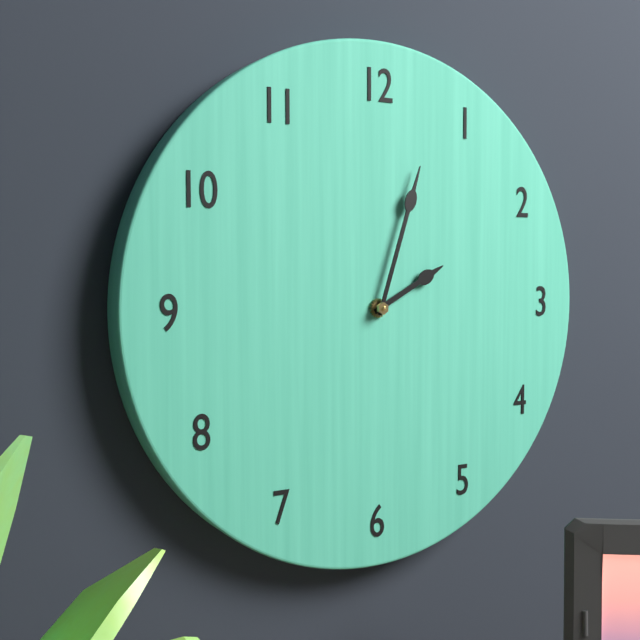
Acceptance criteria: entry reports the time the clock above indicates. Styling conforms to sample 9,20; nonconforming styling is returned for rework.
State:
2,03
